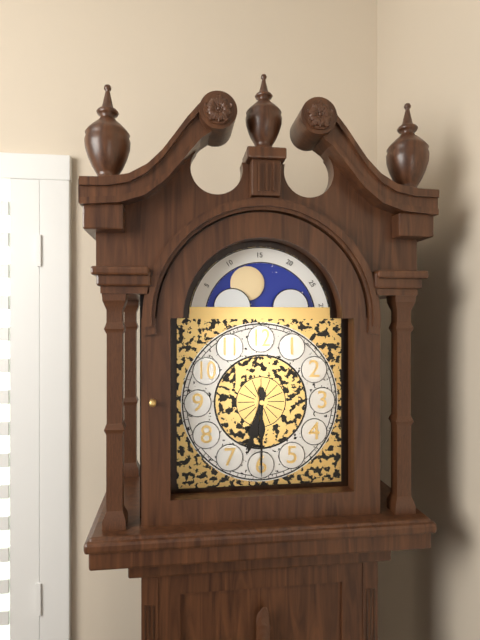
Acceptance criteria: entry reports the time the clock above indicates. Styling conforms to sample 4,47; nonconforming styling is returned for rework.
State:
6,30
